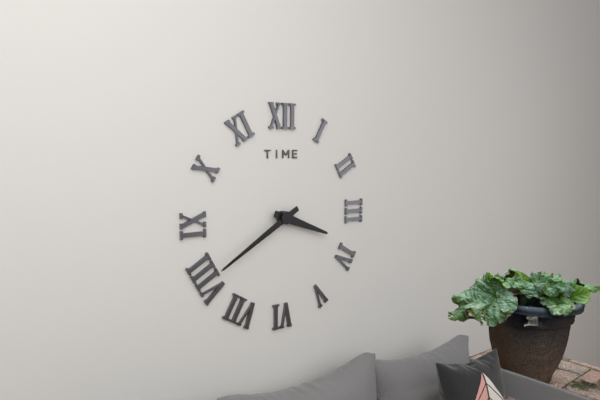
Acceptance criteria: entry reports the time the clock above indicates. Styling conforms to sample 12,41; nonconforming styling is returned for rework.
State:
3,40
